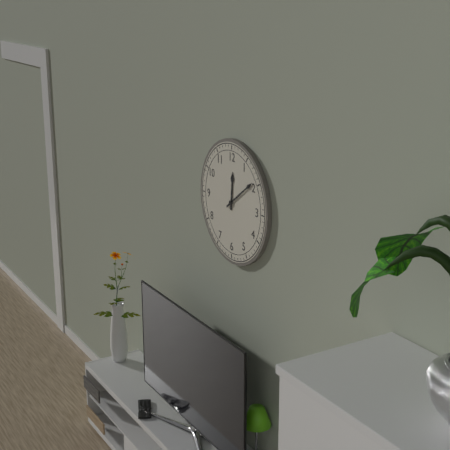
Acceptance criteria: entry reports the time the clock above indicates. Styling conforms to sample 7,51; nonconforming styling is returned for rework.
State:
12,09
